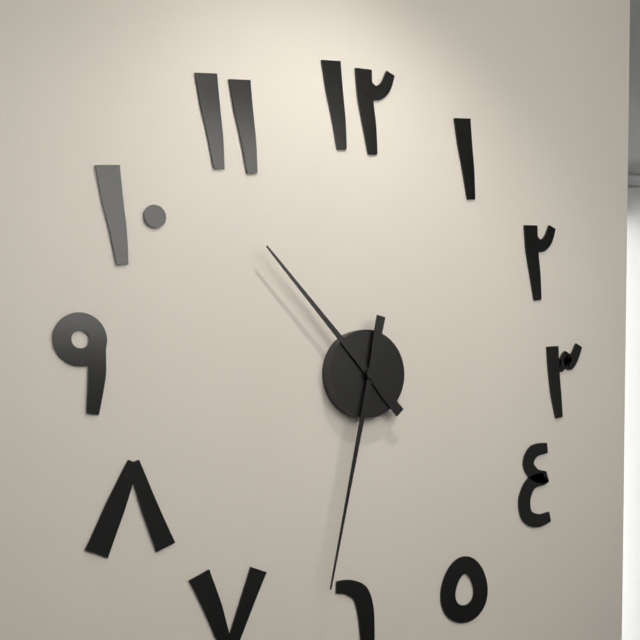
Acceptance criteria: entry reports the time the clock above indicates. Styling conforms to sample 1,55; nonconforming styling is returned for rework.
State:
10,32
